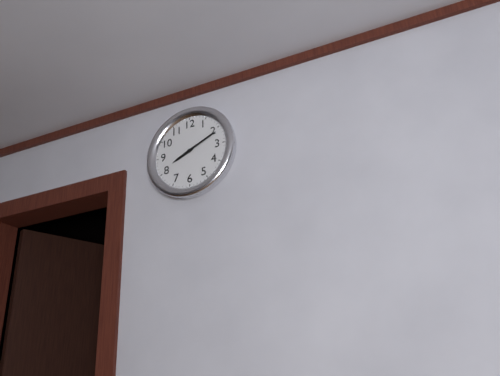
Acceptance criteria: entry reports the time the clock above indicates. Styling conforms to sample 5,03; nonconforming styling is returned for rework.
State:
8,11
